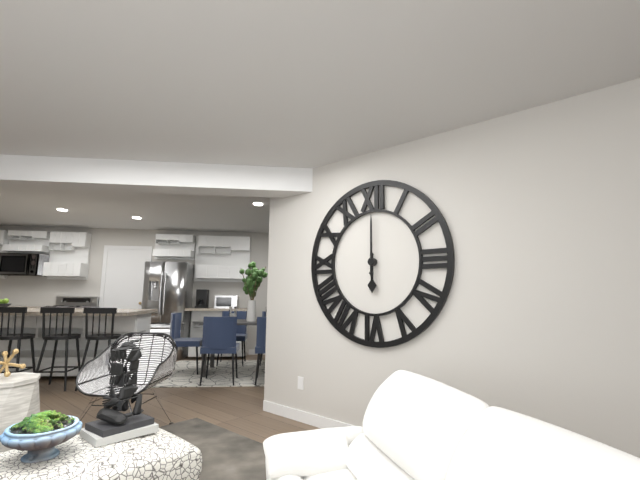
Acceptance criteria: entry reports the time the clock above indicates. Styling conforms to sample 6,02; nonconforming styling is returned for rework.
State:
6,00
